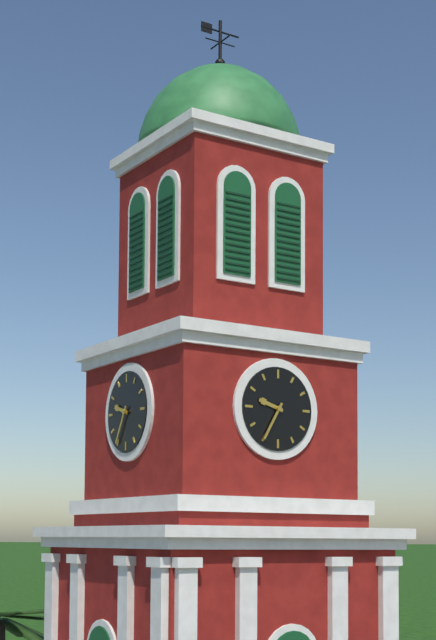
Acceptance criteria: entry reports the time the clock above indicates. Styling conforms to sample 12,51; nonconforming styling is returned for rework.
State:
9,35
